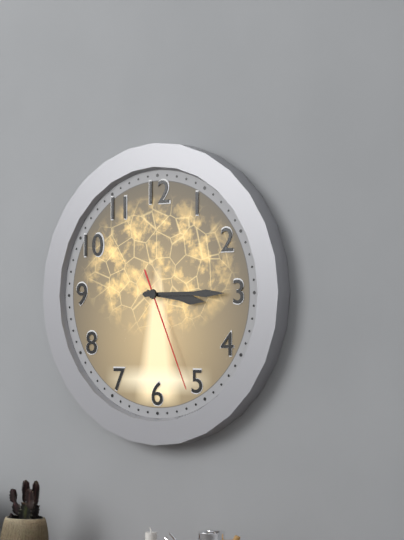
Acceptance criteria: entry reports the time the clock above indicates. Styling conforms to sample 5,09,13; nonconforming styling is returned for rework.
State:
3,15,26
